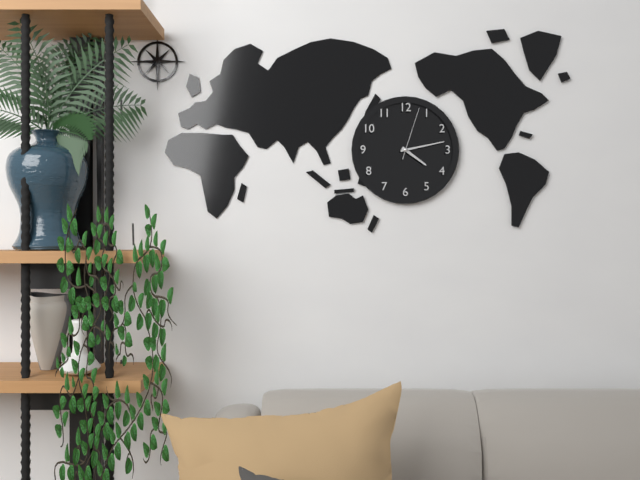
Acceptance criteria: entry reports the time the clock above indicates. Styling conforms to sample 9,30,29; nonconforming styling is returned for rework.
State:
4,13,03
